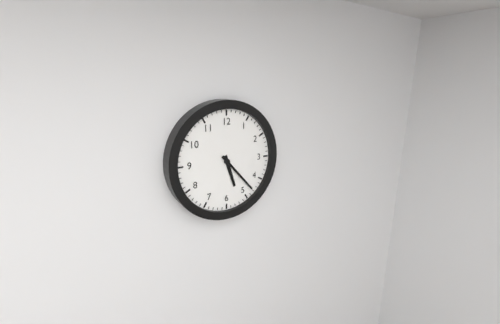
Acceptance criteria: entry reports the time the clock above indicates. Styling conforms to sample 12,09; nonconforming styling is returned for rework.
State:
5,23
